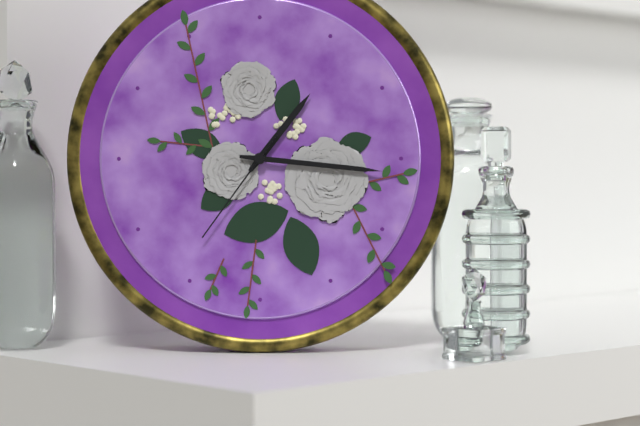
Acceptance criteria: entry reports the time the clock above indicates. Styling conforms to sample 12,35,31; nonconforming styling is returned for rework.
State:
1,16,36
